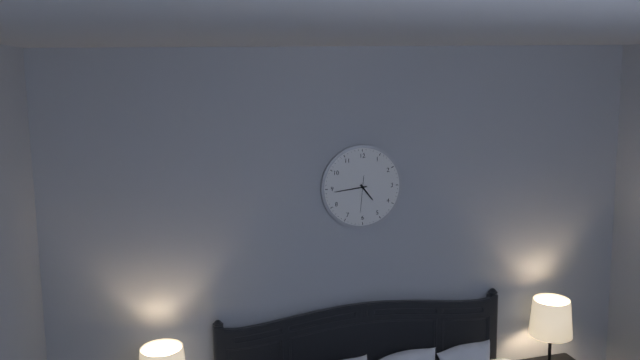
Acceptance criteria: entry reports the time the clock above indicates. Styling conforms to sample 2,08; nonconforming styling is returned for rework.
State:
4,44
